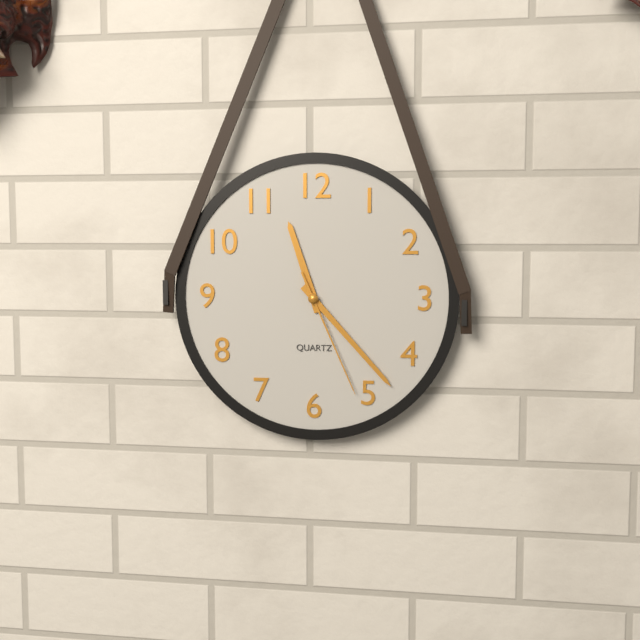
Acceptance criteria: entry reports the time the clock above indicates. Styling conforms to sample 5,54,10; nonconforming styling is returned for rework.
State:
11,23,26
